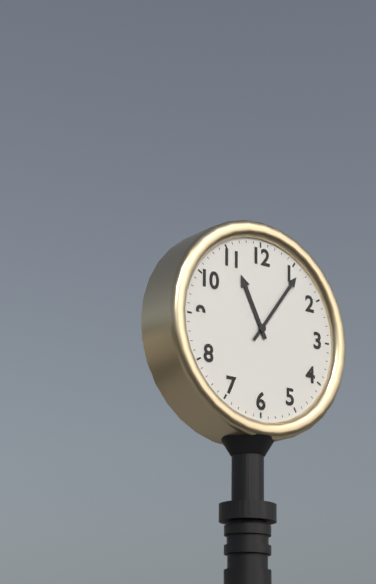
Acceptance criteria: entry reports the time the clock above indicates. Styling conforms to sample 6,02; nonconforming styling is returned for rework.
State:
11,06
